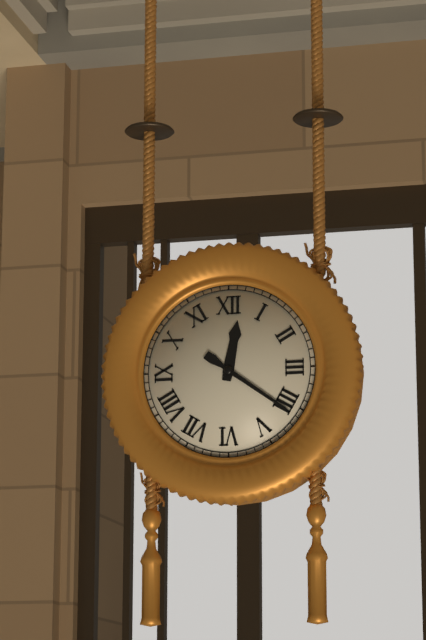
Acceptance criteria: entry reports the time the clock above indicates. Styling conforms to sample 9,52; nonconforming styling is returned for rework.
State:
12,21
